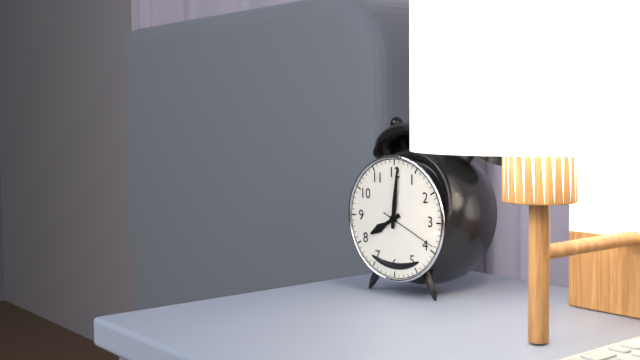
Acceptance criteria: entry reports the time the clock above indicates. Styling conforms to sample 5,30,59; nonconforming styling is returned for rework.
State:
8,01,19
